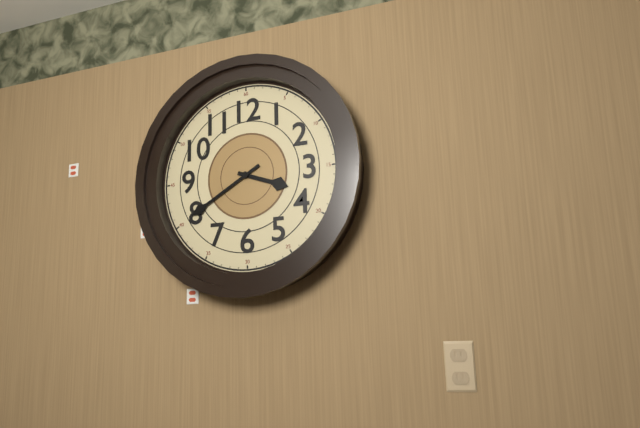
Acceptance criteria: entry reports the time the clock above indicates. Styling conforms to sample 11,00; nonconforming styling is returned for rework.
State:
3,40
